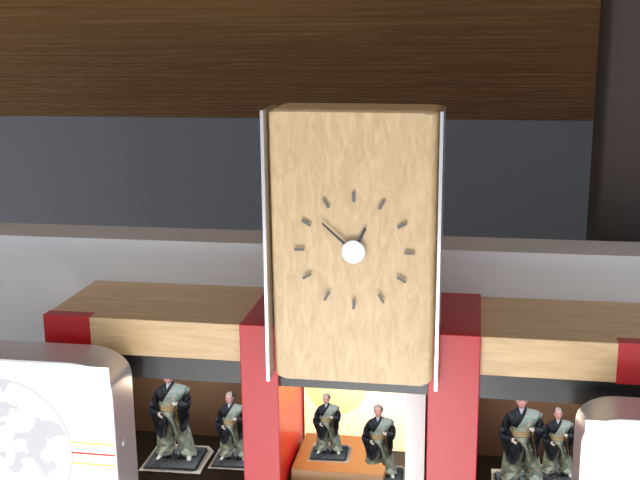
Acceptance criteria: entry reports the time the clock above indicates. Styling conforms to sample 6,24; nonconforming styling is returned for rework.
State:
12,52
